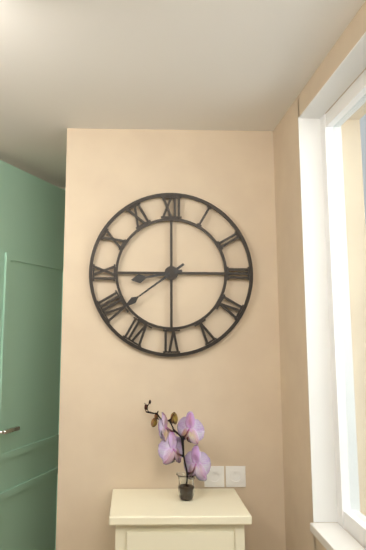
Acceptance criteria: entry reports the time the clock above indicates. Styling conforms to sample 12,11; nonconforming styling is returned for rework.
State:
8,39
